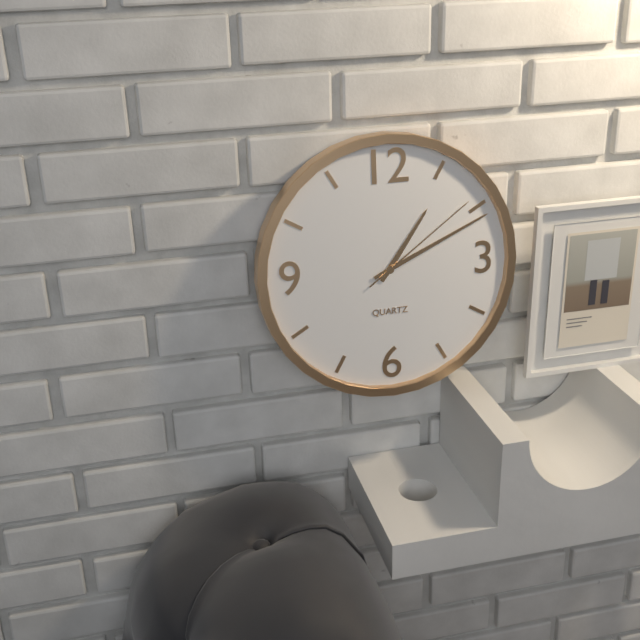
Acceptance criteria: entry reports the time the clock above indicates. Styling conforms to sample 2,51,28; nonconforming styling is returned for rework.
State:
1,11,09
